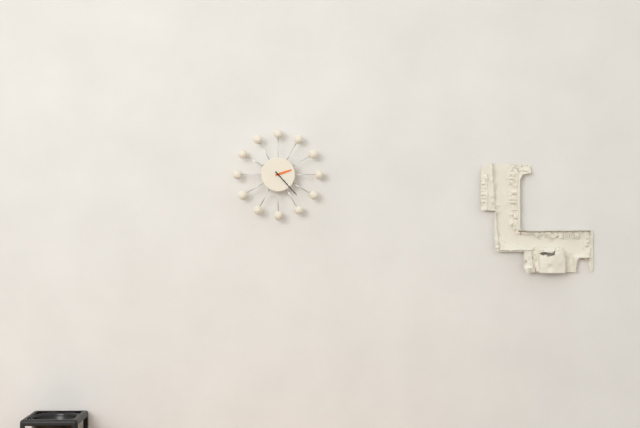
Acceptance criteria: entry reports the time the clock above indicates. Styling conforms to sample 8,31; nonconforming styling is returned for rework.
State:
2,23
